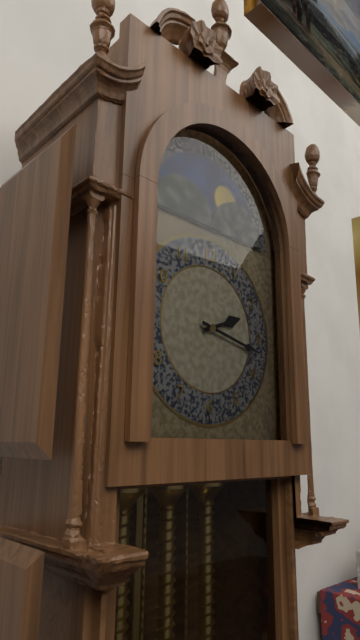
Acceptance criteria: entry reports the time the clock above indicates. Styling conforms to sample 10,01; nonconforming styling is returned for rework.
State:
2,17
